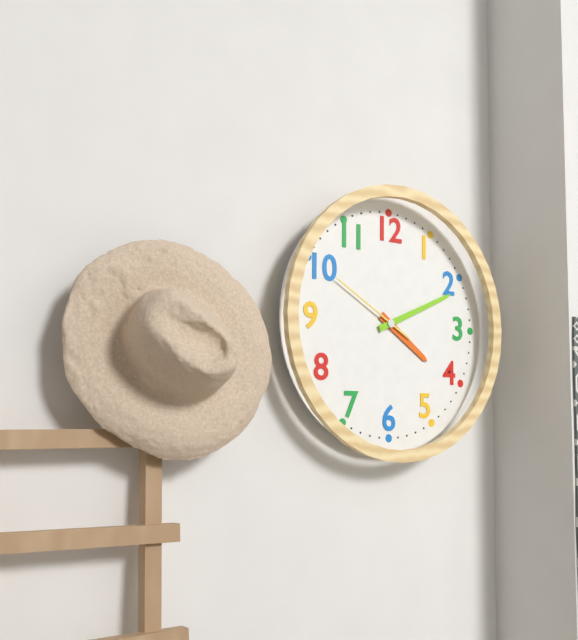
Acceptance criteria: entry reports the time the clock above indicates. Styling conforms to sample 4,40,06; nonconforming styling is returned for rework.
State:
4,11,50
